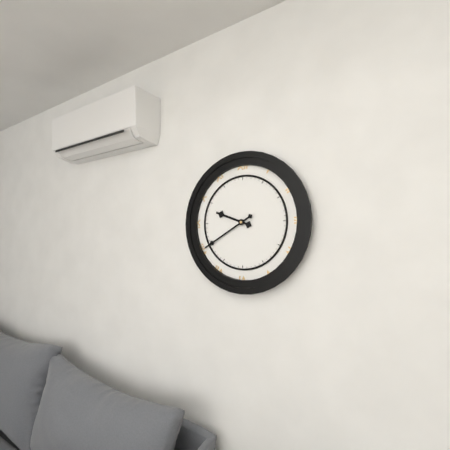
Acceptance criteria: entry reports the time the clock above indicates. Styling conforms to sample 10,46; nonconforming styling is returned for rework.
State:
9,40
